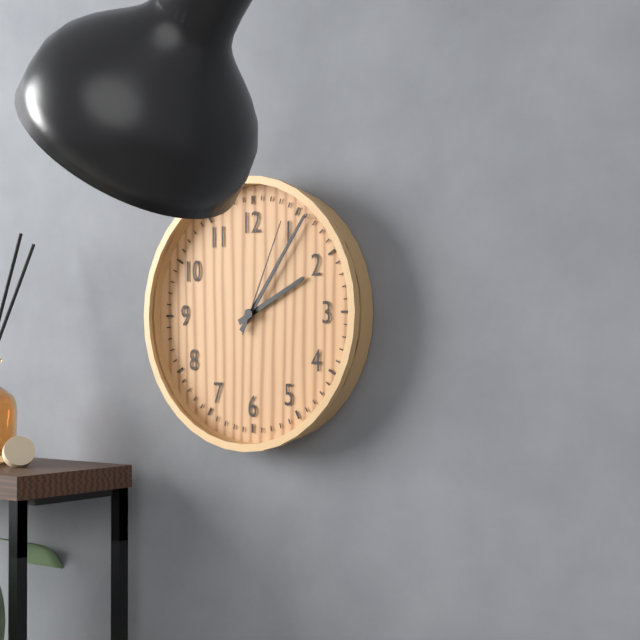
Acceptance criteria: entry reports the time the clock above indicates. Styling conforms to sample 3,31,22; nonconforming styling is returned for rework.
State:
2,06,04
